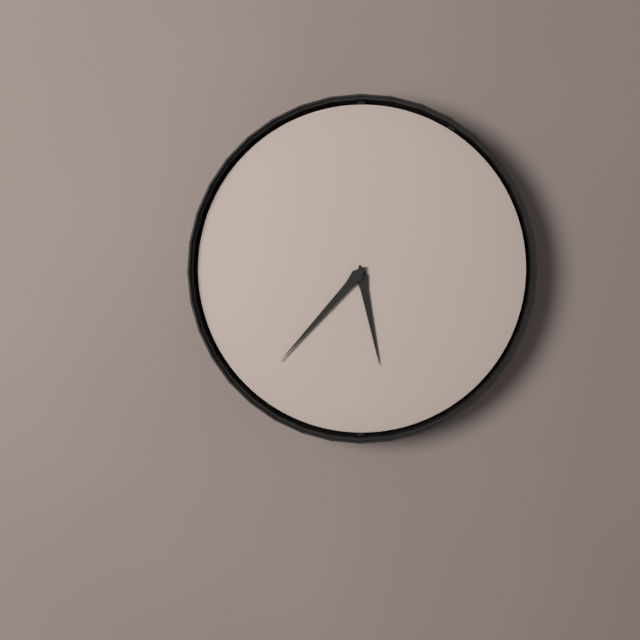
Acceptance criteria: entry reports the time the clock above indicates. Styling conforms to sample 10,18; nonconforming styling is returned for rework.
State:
5,37
